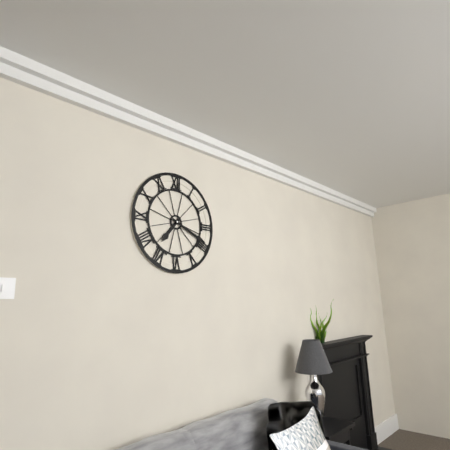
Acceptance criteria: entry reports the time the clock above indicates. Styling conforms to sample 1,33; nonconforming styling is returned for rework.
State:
7,19
